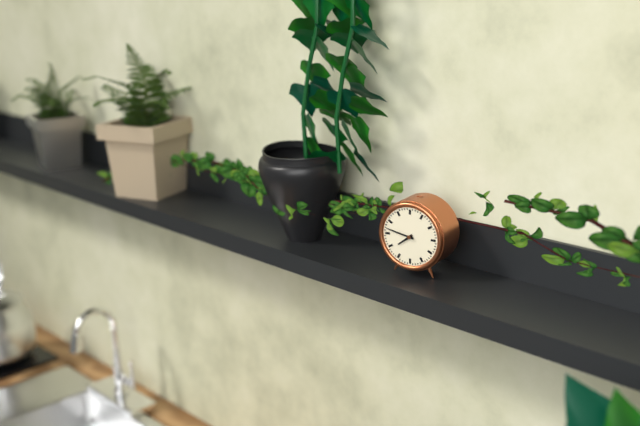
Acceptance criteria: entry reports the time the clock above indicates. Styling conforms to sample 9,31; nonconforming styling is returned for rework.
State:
7,47
